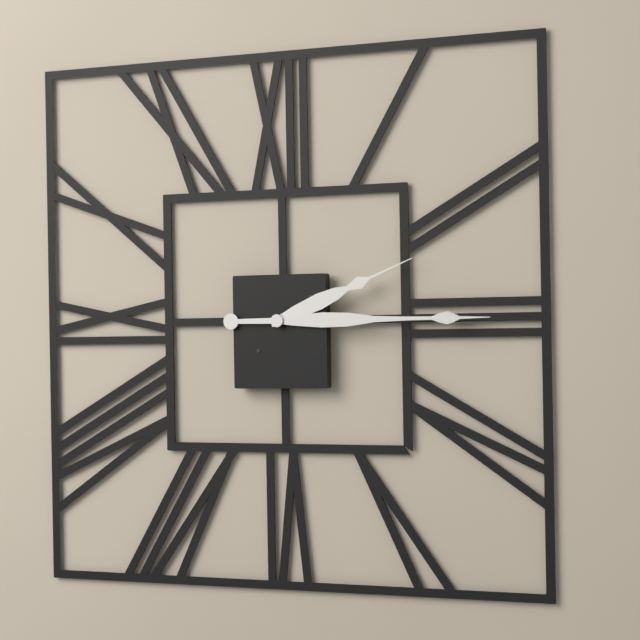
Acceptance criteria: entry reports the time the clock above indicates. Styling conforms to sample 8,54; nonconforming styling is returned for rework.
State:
2,15
